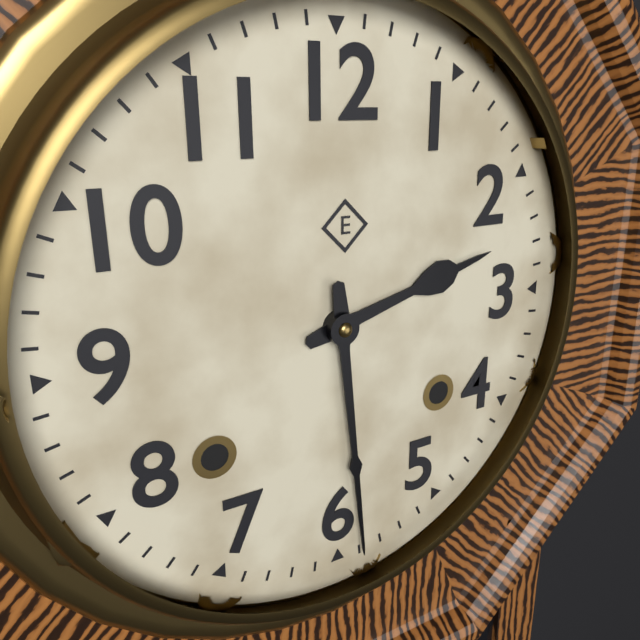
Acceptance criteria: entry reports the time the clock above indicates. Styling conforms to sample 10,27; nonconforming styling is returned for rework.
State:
2,29
